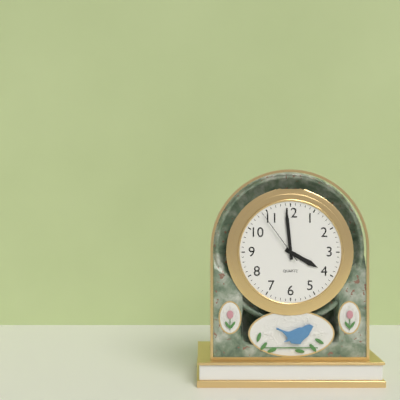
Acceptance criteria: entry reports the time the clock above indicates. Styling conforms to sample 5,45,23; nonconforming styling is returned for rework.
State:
3,59,54
